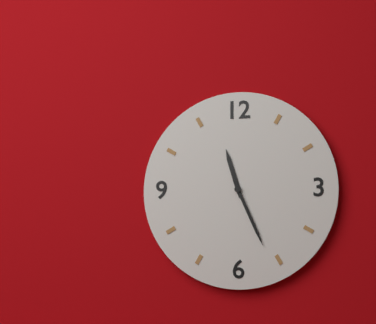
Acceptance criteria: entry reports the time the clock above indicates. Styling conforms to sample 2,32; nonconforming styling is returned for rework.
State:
11,26
